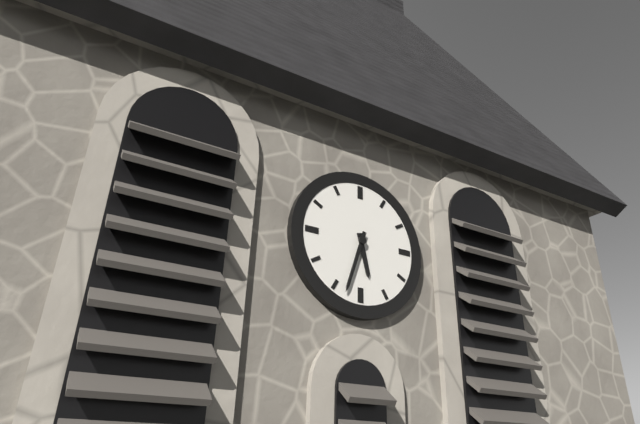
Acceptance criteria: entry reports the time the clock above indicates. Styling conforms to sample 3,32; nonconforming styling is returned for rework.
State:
5,33
